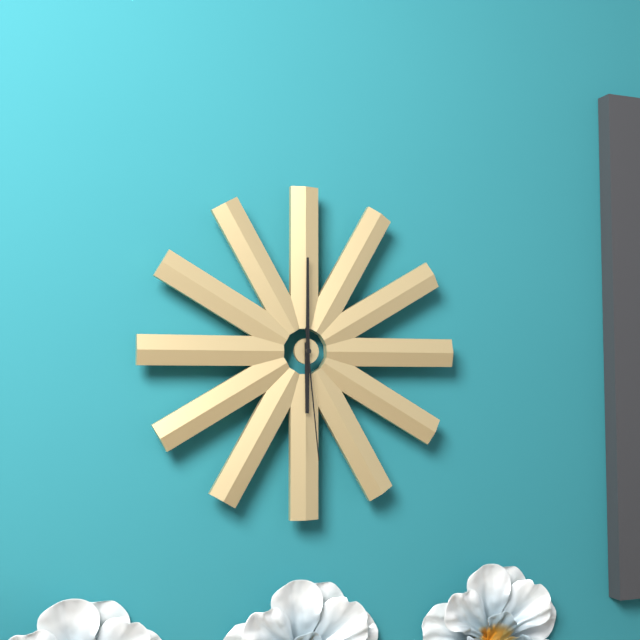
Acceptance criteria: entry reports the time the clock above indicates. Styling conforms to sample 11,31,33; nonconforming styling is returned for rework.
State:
6,00,29
